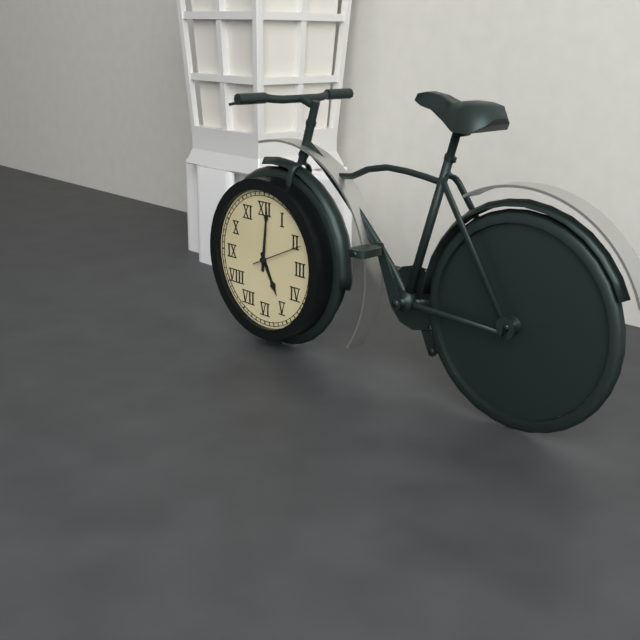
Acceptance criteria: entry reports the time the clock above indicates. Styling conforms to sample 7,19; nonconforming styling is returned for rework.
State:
5,01
